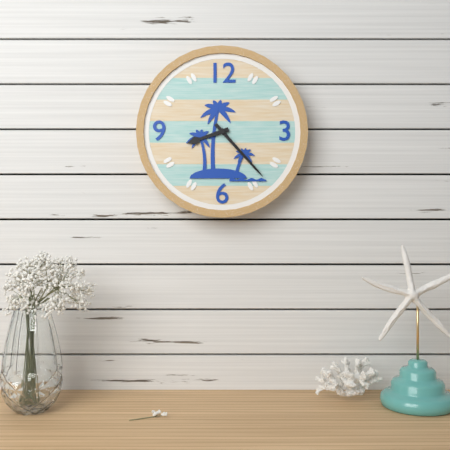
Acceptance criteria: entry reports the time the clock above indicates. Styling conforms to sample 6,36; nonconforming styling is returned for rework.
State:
8,23
